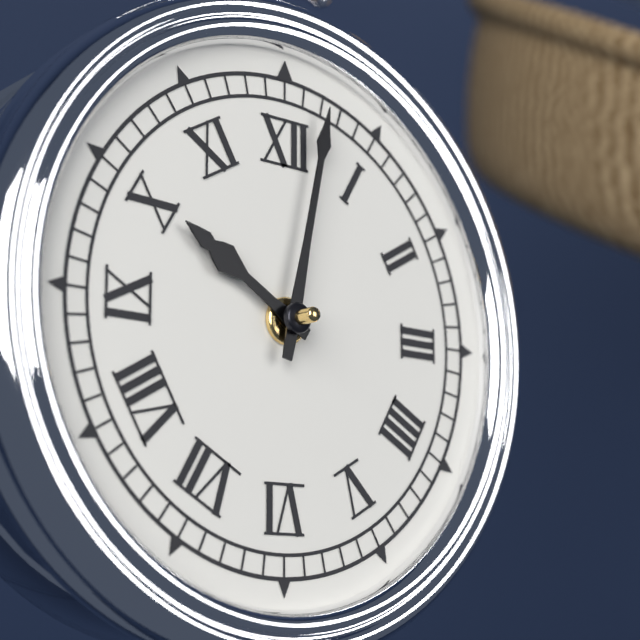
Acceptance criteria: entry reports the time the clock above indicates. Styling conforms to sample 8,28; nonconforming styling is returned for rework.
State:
10,02
